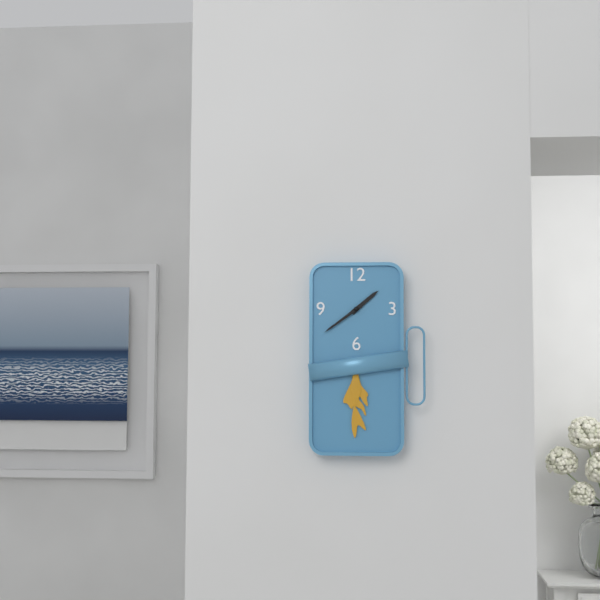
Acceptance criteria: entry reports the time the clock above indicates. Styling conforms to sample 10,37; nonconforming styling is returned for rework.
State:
1,39
